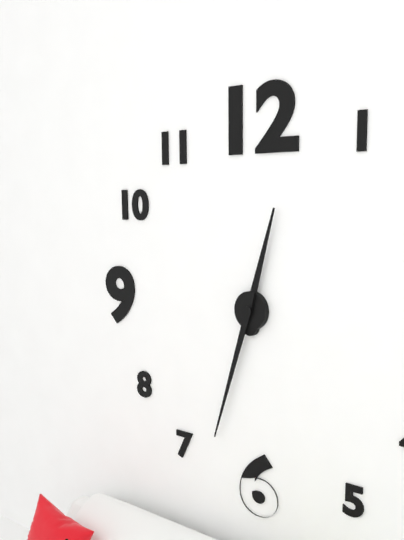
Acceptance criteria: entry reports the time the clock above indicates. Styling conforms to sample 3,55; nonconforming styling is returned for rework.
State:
12,33
